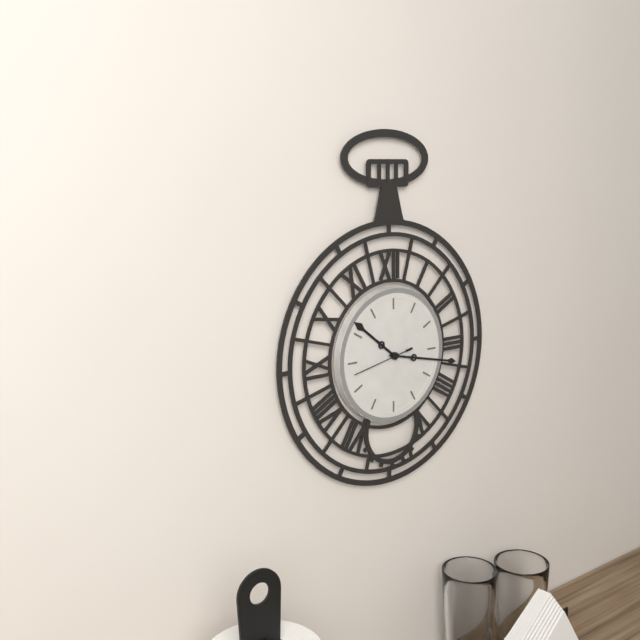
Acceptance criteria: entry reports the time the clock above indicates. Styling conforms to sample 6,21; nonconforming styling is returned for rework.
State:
10,17
